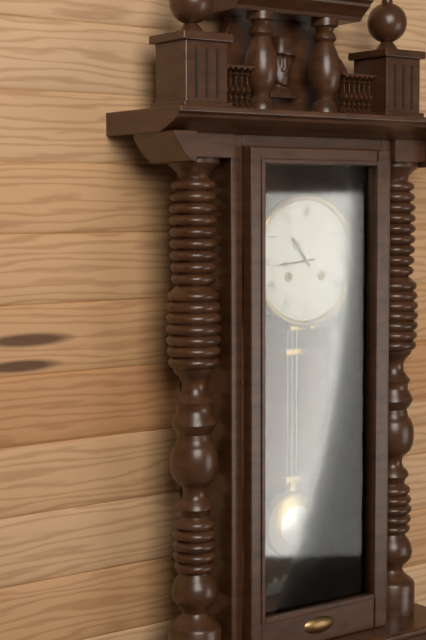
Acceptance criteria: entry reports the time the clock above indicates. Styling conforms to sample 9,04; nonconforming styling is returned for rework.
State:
10,44
